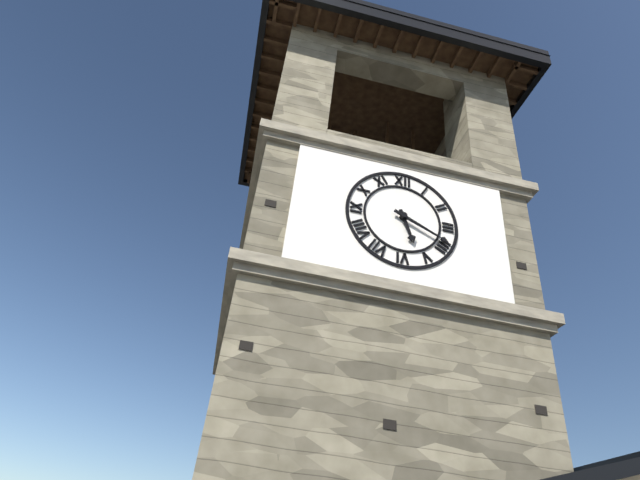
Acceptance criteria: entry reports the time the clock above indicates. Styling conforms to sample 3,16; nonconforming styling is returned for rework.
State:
5,19
